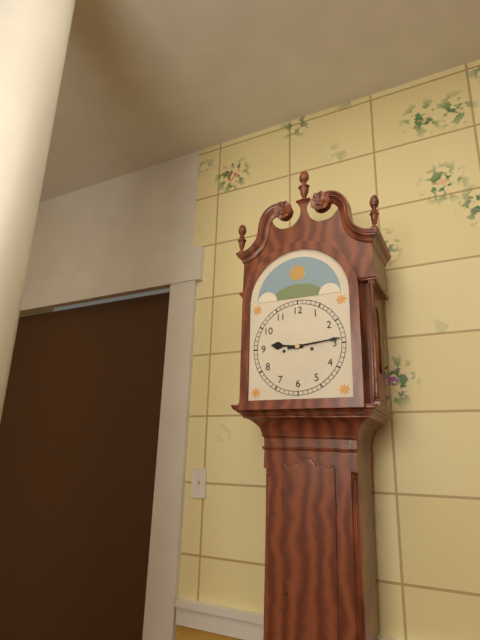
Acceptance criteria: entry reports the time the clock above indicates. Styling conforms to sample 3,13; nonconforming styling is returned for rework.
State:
9,14
